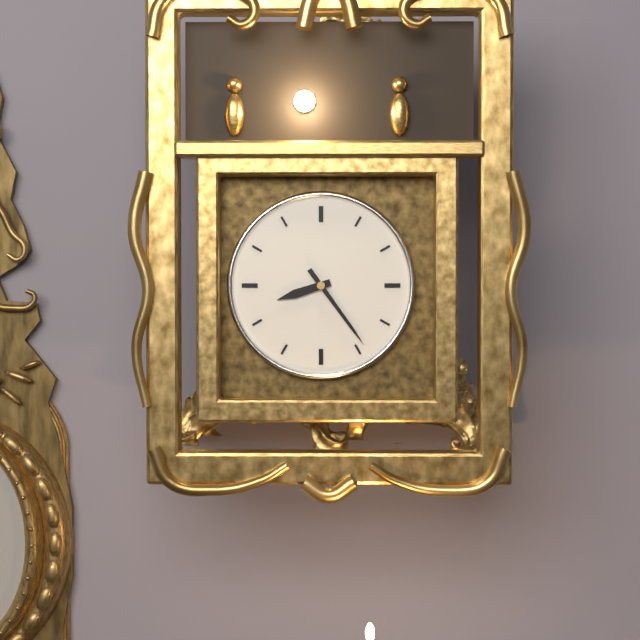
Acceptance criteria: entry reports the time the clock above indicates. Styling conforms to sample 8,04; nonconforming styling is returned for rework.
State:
8,24
